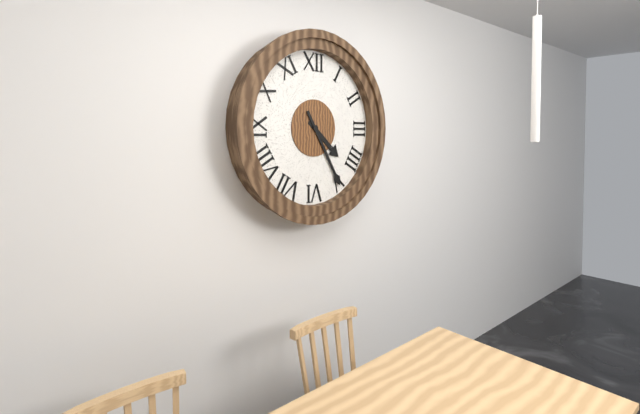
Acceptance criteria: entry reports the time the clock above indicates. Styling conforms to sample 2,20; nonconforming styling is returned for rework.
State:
4,25
